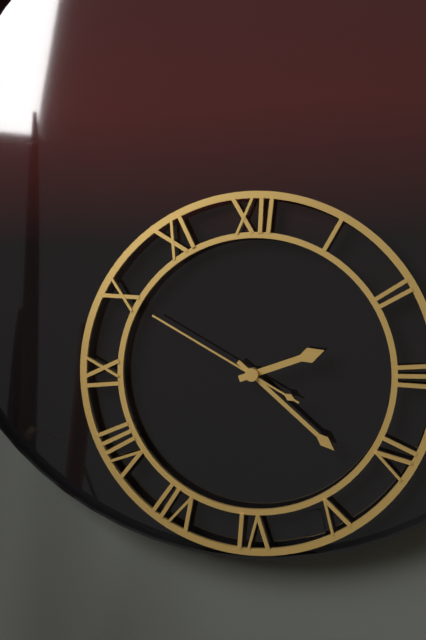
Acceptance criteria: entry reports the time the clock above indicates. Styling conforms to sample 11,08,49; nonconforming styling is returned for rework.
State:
2,22,50
